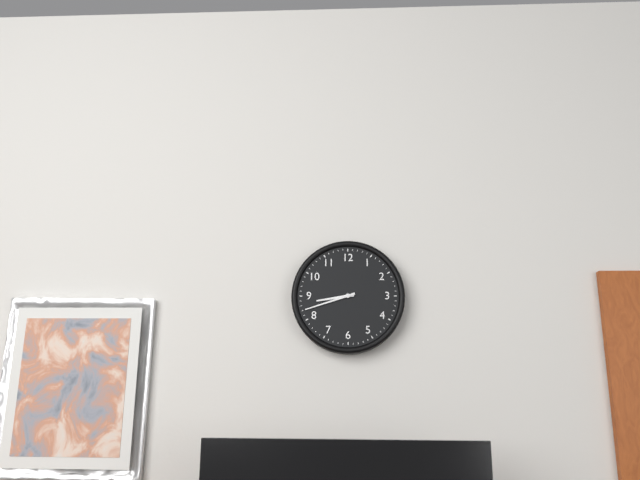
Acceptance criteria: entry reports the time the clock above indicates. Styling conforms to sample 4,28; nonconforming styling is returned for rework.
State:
8,42
